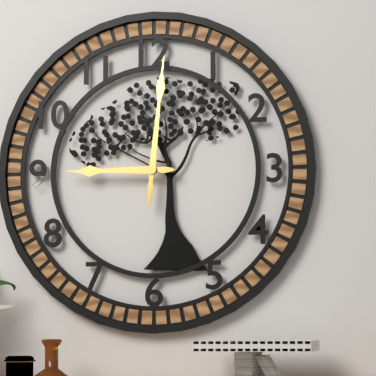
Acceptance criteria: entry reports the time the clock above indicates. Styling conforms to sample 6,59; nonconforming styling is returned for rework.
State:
9,01
